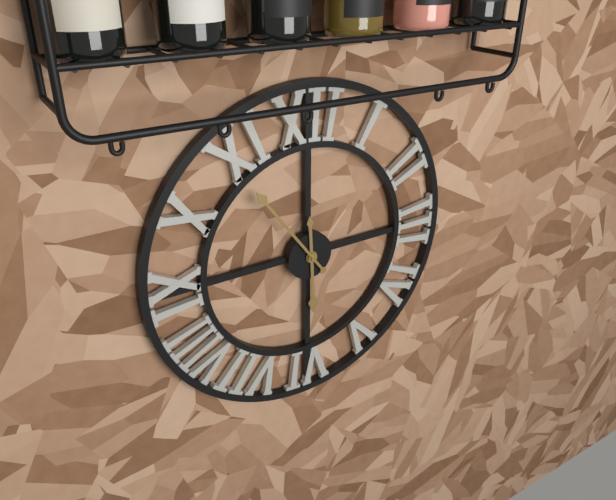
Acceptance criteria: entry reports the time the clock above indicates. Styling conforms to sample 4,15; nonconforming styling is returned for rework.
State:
5,54
